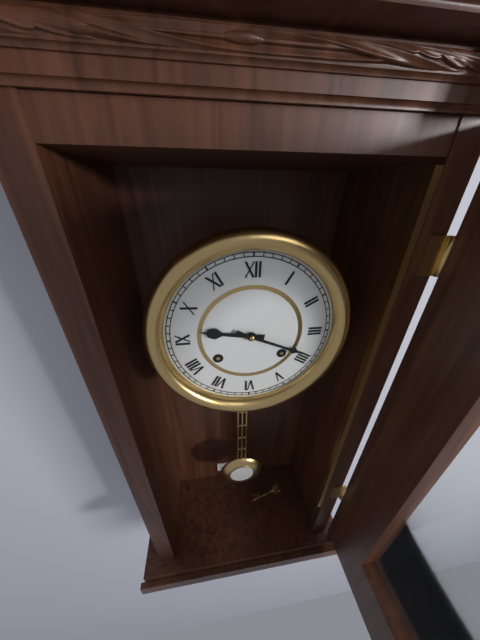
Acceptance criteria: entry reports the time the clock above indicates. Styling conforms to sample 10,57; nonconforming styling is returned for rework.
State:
9,19
